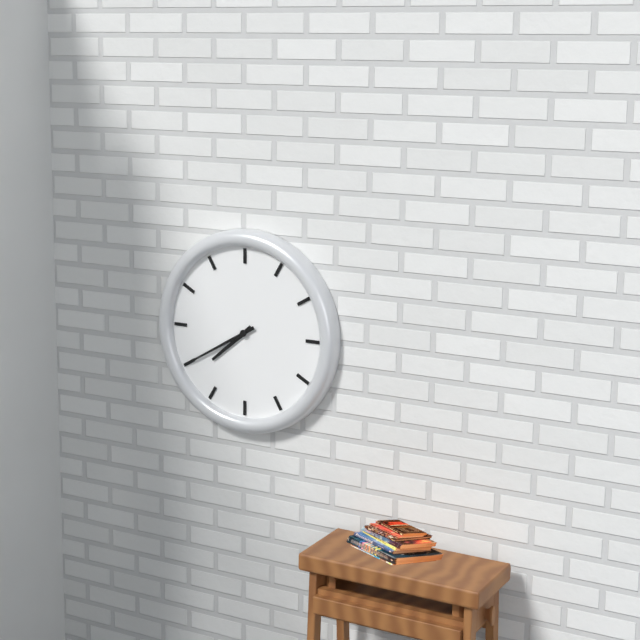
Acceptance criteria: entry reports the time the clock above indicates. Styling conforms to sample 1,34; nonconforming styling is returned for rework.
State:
7,40
